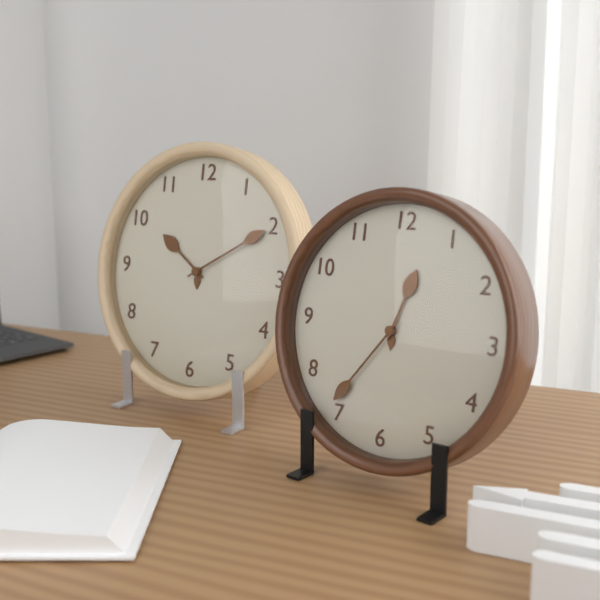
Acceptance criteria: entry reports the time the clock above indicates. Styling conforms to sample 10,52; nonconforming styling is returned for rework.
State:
12,36
